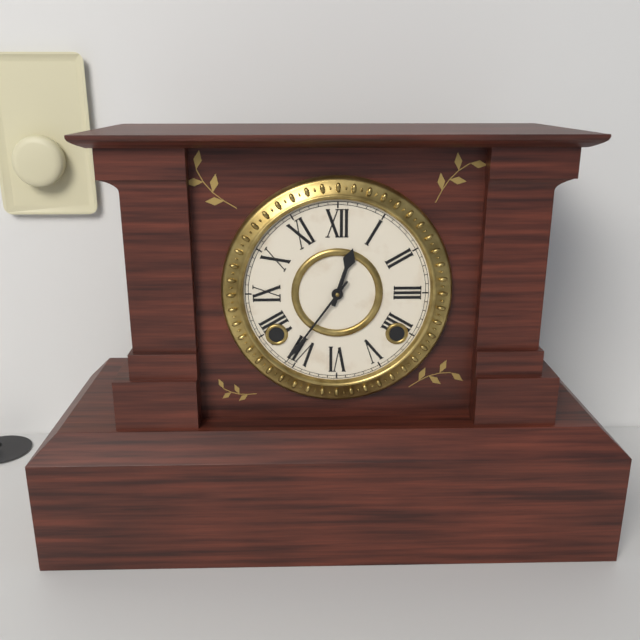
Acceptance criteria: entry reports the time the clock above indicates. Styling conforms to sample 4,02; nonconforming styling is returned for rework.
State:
12,36
